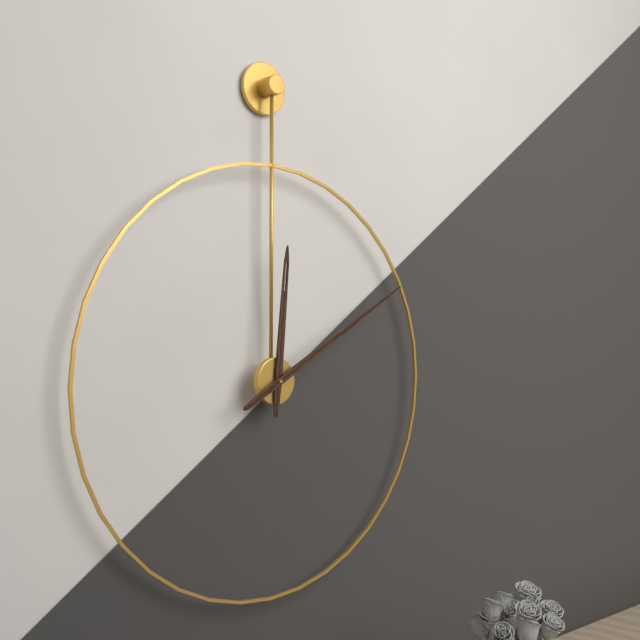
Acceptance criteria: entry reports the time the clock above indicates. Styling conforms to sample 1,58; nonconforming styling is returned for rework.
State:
12,10
